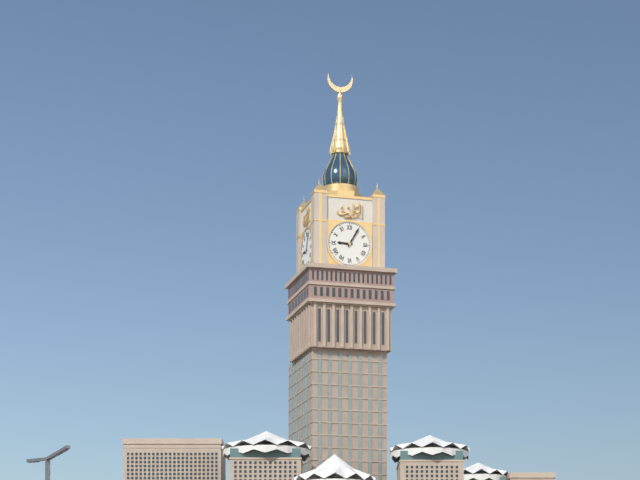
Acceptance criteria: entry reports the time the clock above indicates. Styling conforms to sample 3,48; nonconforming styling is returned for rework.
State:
9,05
